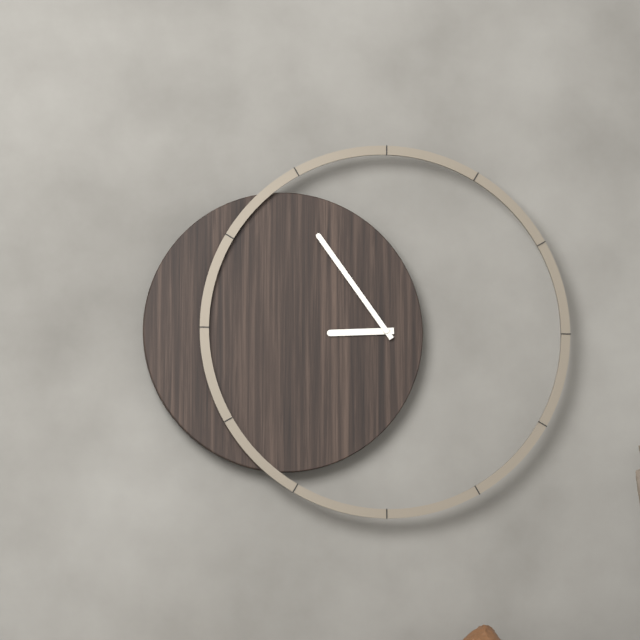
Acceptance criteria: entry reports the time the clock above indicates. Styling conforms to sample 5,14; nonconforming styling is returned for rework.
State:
8,54
